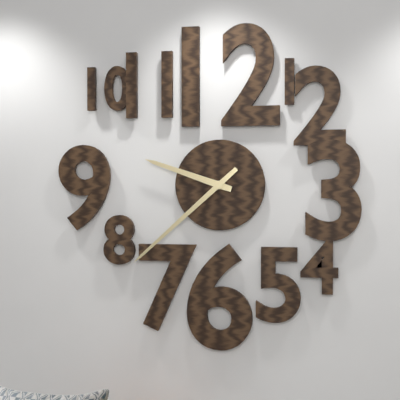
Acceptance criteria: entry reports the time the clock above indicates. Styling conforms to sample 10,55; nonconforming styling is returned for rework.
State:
9,38
